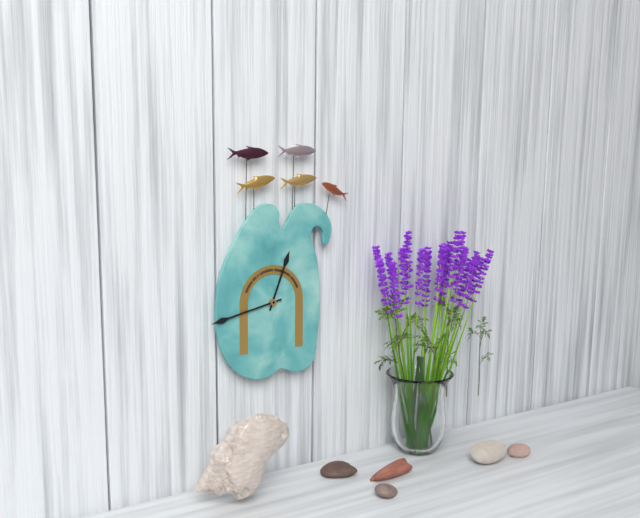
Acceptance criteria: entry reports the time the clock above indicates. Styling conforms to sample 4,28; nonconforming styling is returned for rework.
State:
12,43
